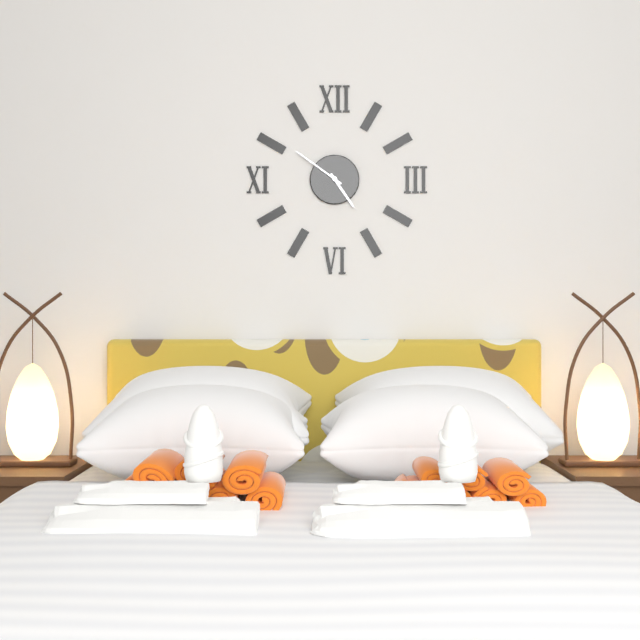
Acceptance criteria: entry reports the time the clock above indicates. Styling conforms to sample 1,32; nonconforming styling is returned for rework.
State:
4,51
